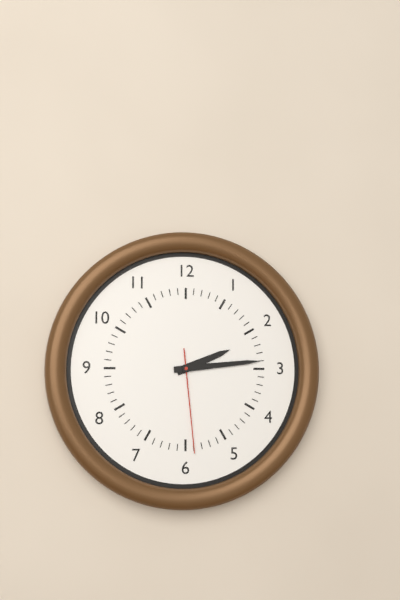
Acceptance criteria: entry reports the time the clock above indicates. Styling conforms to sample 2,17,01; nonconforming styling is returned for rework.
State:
2,14,29
